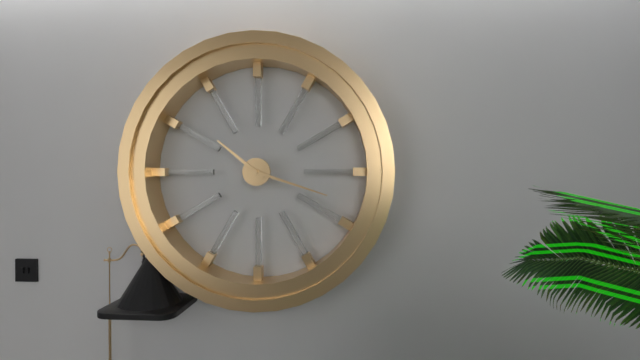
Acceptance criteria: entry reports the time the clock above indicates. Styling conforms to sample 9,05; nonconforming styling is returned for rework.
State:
10,18
